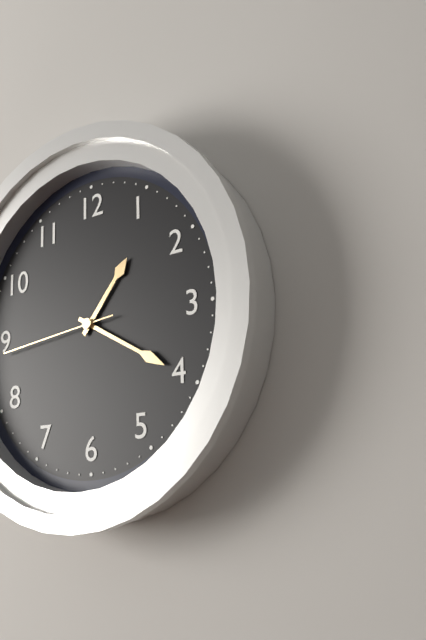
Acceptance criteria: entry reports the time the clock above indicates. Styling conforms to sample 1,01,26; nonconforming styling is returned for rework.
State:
1,20,44
